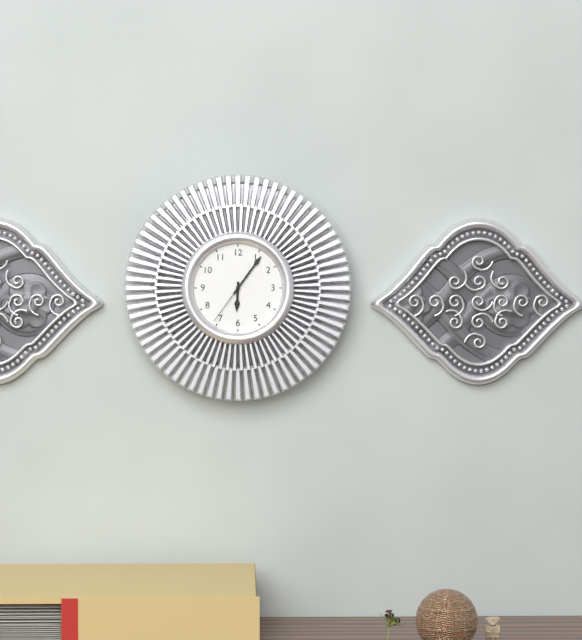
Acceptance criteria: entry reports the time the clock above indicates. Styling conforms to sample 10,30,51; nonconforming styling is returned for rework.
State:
6,06,36
